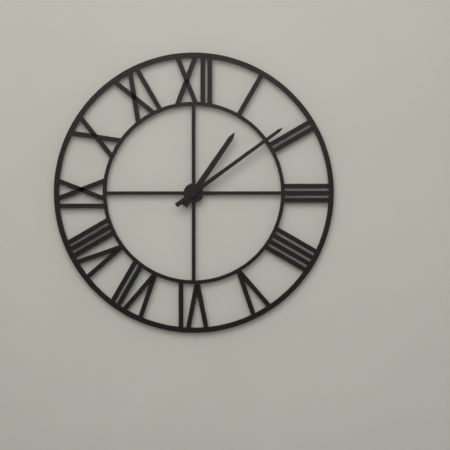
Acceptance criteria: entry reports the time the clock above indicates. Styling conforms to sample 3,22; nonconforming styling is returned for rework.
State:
1,09
